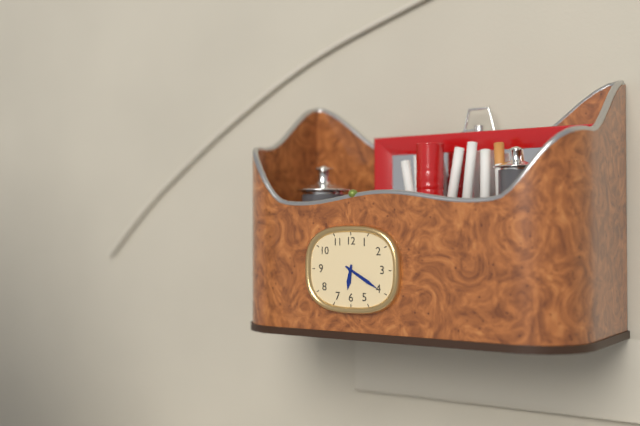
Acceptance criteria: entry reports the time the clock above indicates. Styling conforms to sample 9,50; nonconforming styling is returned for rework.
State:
6,20
